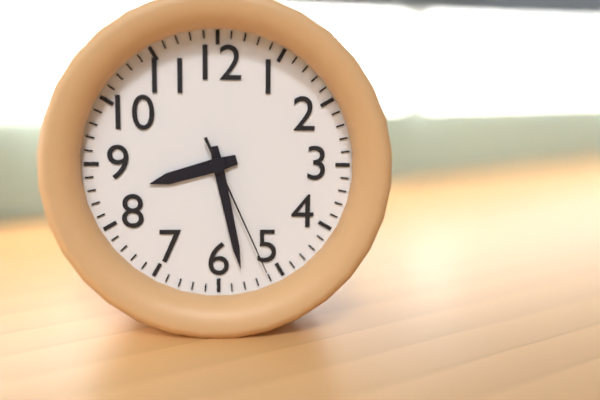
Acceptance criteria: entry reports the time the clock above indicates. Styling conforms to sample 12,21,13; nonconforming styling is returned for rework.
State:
8,28,26
